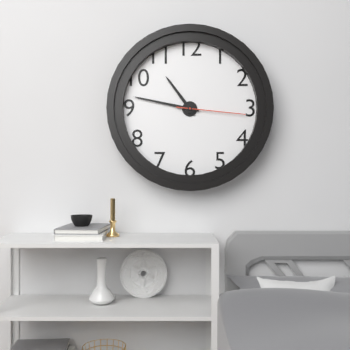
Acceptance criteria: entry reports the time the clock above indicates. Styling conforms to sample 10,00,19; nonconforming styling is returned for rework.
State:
10,47,16
